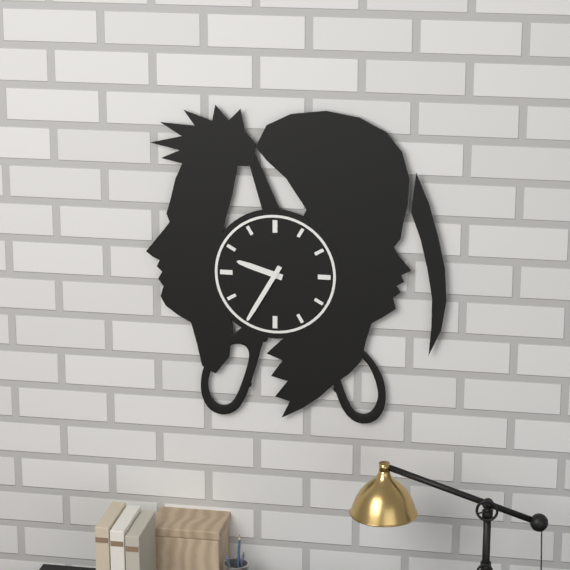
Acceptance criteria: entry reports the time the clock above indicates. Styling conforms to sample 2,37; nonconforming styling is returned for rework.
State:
9,35
